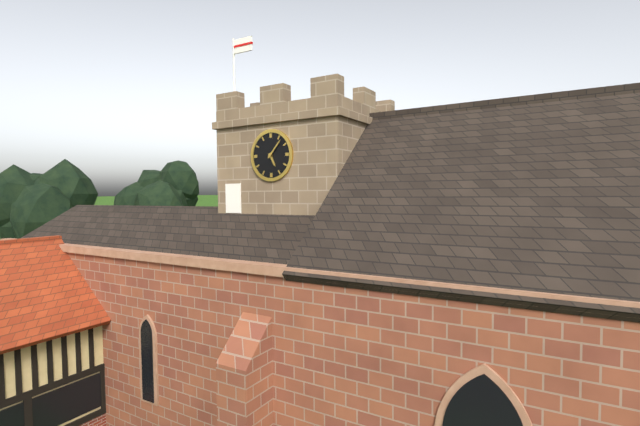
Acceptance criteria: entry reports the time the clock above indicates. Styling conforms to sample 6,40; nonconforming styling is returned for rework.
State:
5,07
